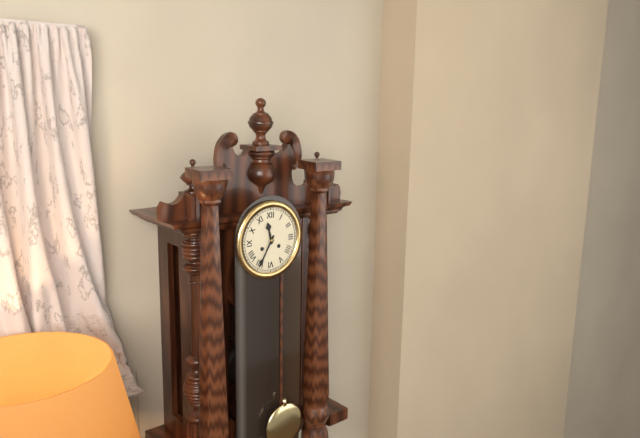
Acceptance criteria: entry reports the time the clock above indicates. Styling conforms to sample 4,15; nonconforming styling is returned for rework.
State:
11,35
